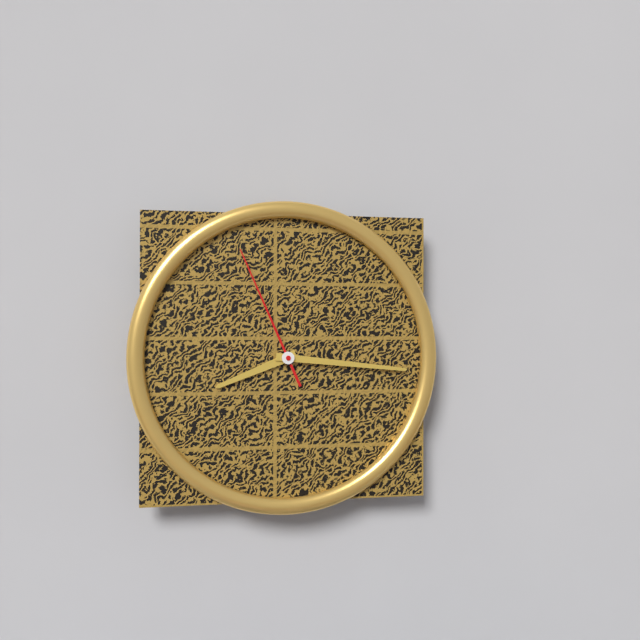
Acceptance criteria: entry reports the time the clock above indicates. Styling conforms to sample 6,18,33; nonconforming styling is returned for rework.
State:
8,16,56
